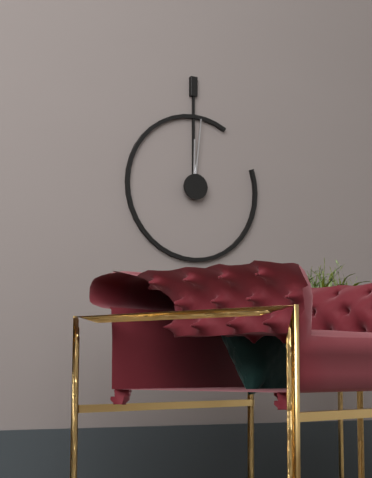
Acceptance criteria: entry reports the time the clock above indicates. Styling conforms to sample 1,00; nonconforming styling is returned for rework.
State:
12,01
